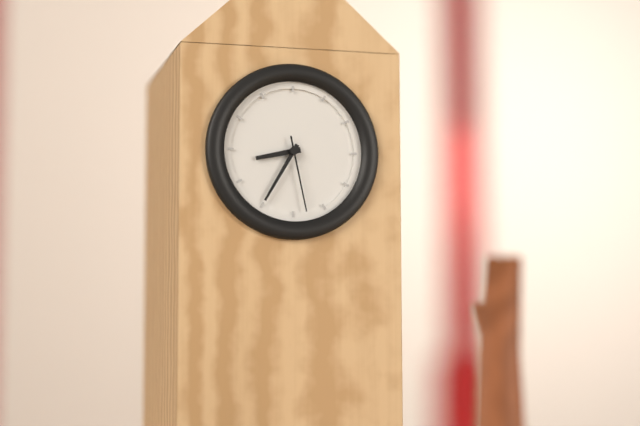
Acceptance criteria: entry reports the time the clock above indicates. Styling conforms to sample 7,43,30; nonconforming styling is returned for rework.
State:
8,35,28
